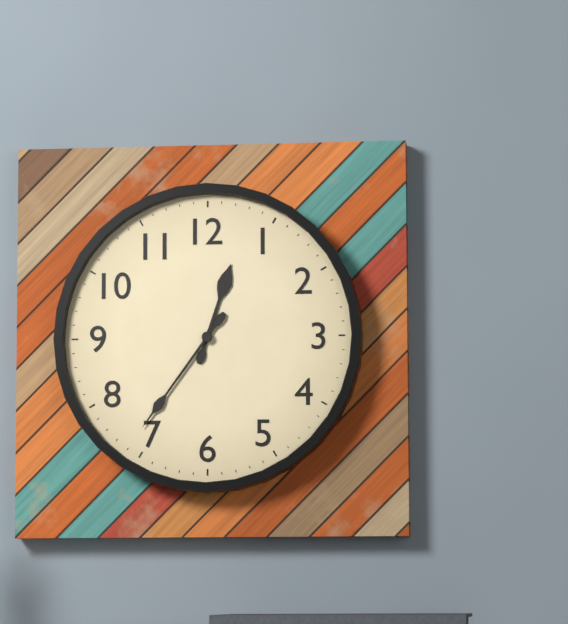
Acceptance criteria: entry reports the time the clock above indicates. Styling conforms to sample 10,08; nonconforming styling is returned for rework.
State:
12,36
